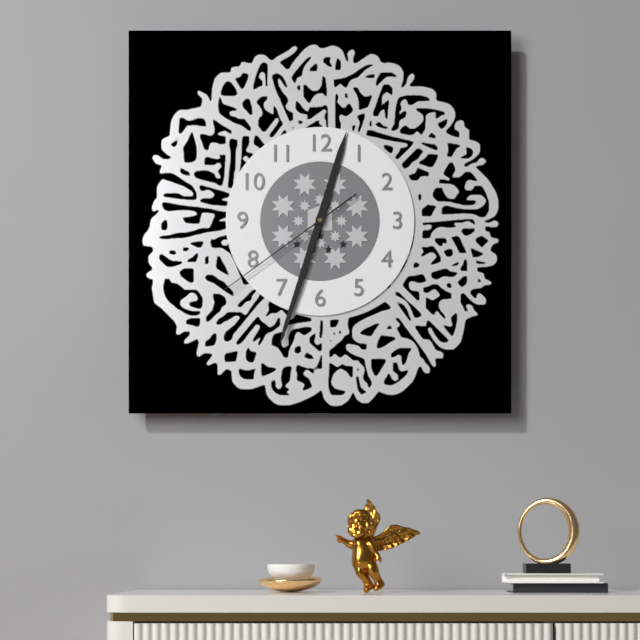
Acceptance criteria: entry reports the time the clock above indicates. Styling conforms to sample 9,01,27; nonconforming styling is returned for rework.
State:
12,33,39
